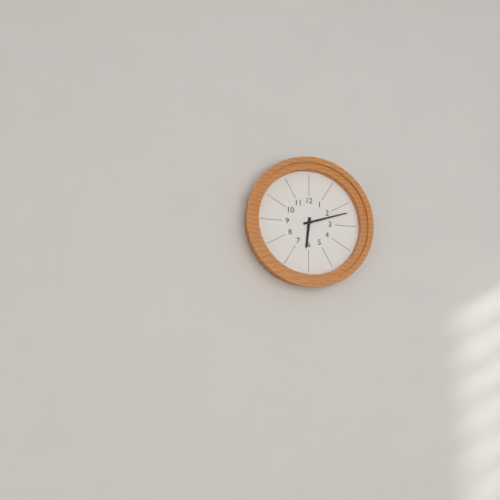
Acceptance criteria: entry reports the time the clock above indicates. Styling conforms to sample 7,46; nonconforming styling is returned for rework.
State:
6,12
